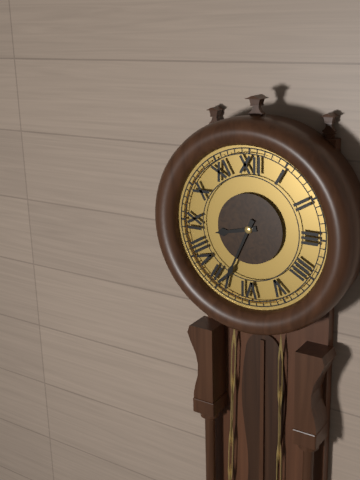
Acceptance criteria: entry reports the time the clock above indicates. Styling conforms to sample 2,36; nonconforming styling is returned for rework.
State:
8,34
